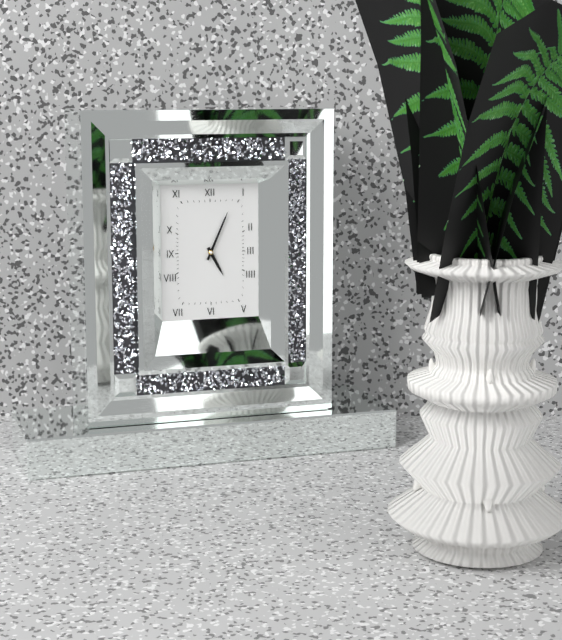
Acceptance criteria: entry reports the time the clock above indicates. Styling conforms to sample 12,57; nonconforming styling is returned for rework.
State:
5,04
